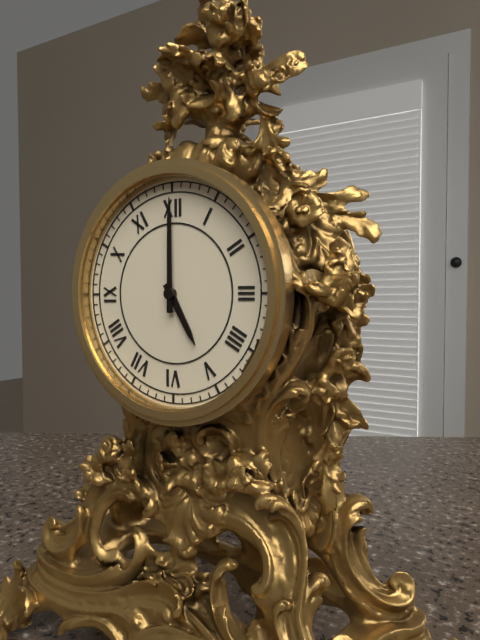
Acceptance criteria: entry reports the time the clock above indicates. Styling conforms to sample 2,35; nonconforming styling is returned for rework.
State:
5,00
